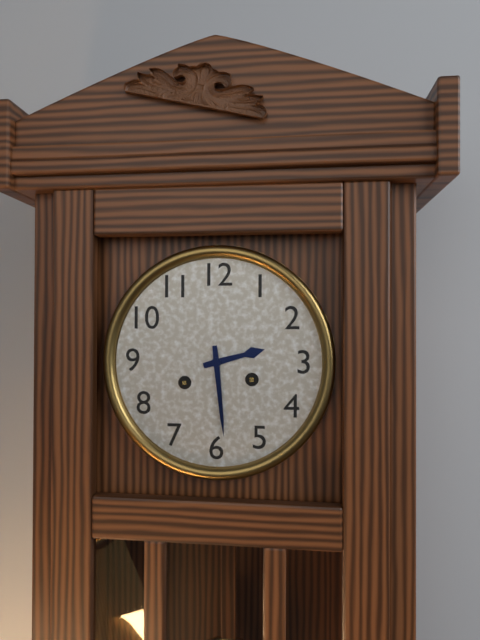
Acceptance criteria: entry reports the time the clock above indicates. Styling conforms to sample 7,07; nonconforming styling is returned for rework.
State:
2,29
